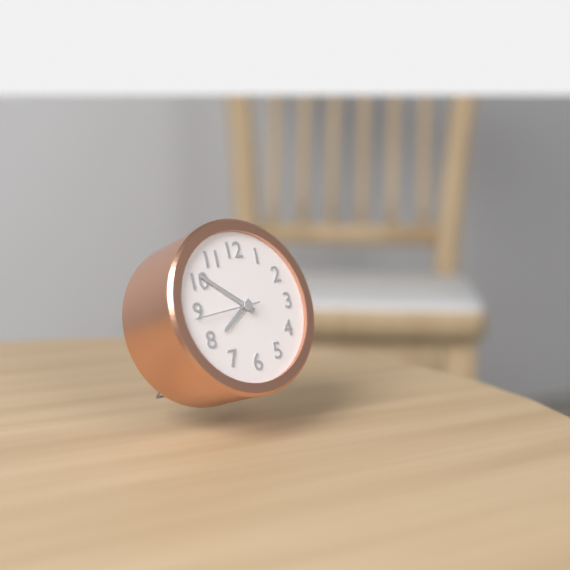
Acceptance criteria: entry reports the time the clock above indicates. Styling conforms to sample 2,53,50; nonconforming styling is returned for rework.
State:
7,51,44
